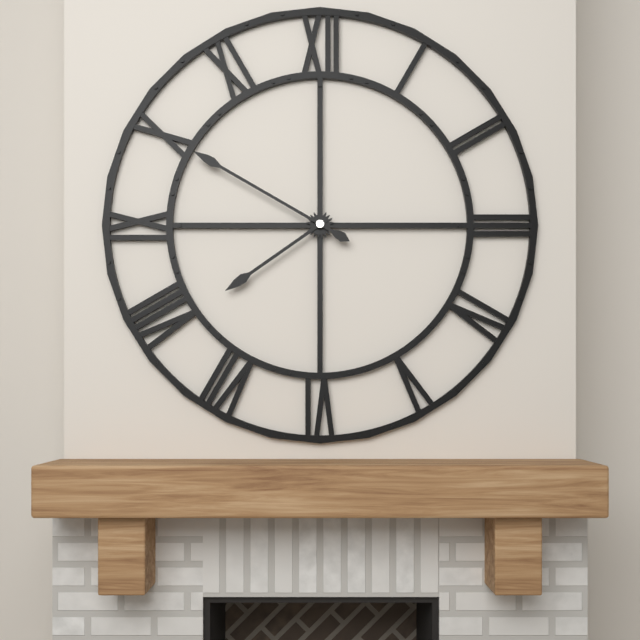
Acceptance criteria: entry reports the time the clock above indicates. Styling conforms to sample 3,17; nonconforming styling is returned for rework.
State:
7,50
